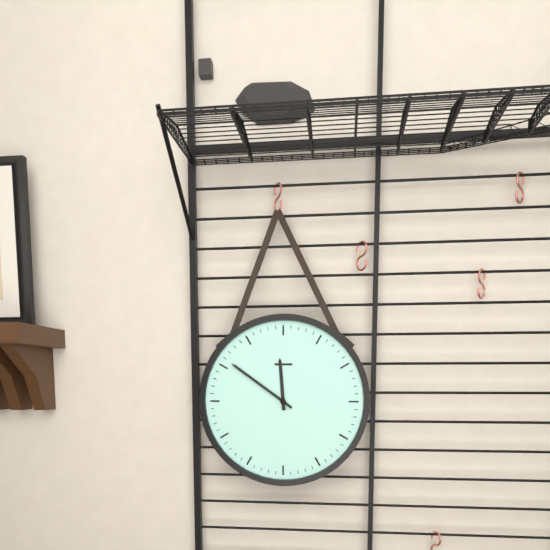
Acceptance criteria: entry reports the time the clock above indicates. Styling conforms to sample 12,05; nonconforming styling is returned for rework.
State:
11,51
